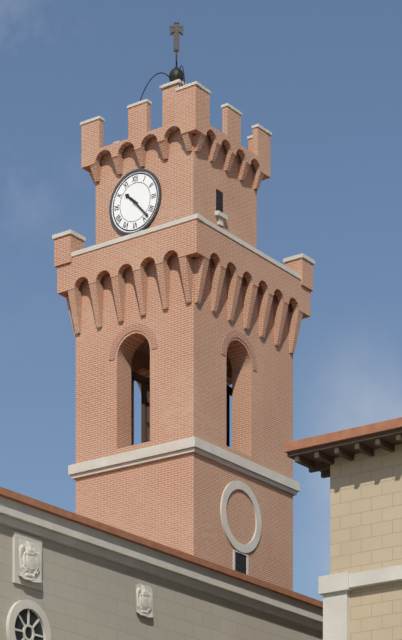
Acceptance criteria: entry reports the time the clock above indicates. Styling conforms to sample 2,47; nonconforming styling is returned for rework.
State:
10,23
